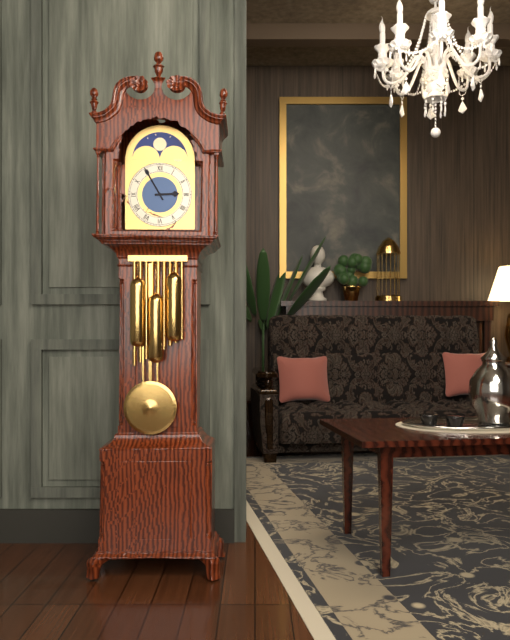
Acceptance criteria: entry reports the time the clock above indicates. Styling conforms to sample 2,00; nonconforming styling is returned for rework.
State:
2,55
